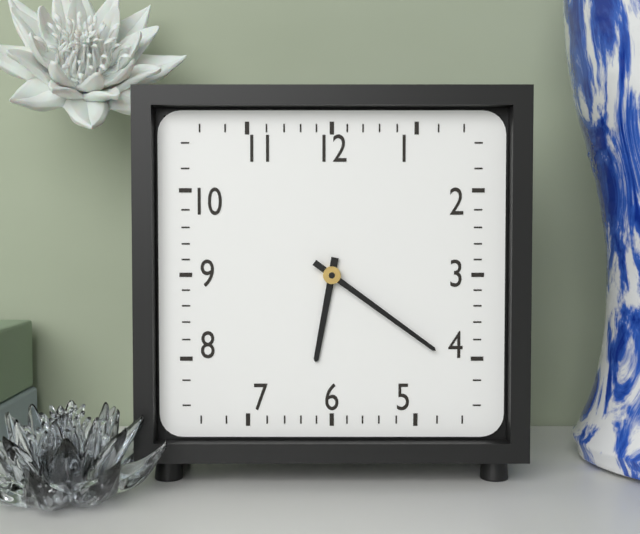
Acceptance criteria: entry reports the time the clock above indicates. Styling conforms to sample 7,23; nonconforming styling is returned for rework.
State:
6,21
